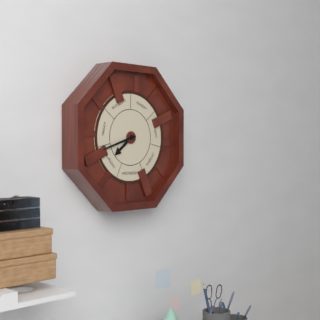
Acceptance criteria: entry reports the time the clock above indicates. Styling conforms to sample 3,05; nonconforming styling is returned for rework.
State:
7,42
